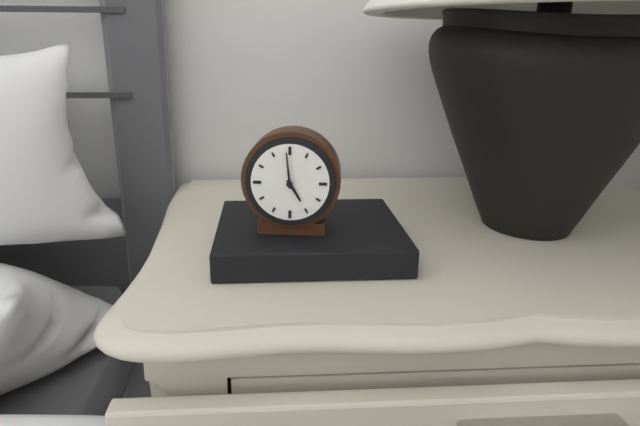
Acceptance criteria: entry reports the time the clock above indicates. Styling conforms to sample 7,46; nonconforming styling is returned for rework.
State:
4,59
